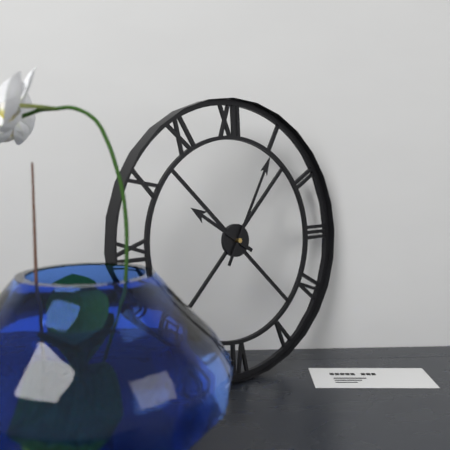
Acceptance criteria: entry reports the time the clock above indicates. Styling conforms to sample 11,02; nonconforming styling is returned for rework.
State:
10,05
